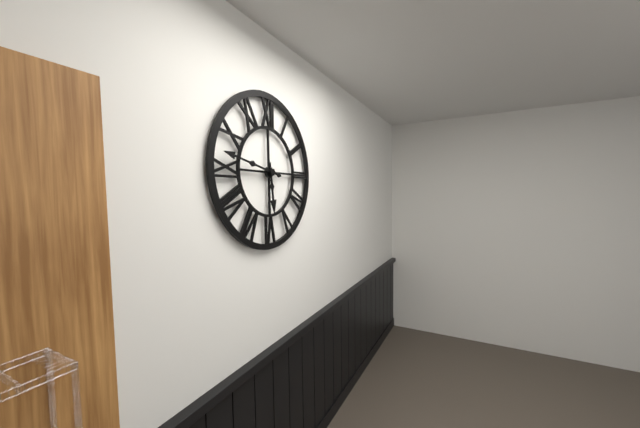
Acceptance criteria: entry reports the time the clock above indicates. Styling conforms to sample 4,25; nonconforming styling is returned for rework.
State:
5,47
